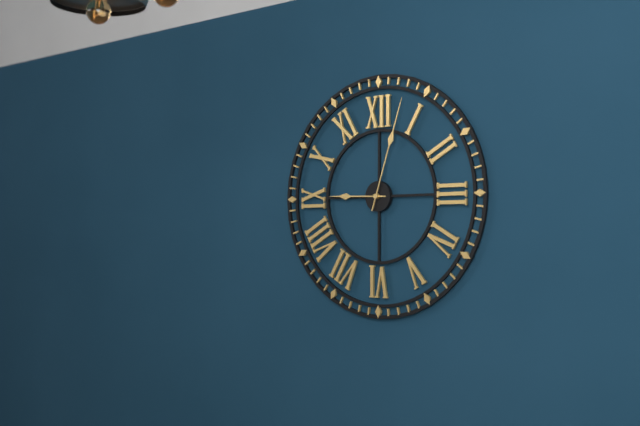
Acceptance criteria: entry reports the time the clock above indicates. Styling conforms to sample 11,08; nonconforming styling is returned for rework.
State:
9,03
